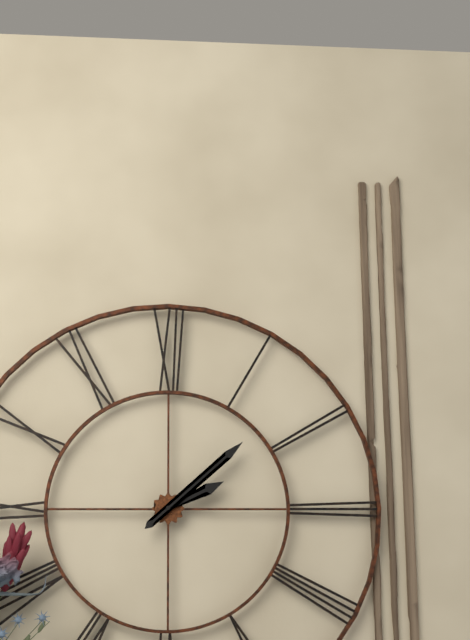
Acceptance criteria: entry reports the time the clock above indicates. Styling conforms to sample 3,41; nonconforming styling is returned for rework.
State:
2,08
